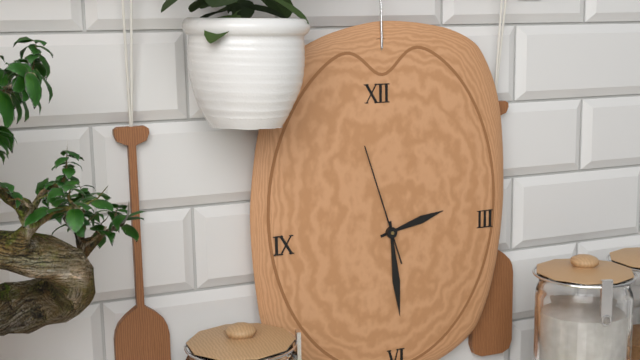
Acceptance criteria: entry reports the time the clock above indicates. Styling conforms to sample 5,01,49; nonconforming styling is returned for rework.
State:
2,29,57
